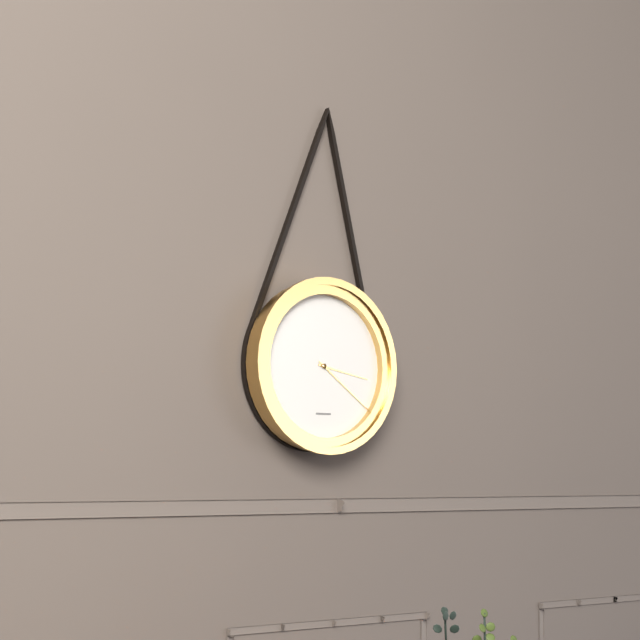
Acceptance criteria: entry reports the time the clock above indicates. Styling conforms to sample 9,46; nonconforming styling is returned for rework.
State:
3,21
